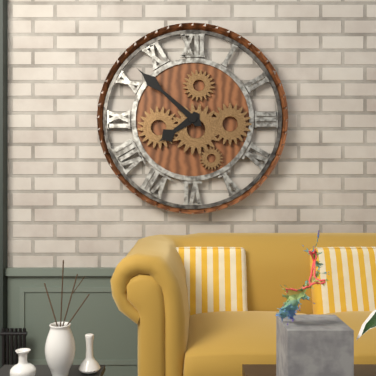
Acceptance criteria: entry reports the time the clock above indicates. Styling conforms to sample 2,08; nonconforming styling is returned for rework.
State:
7,52
